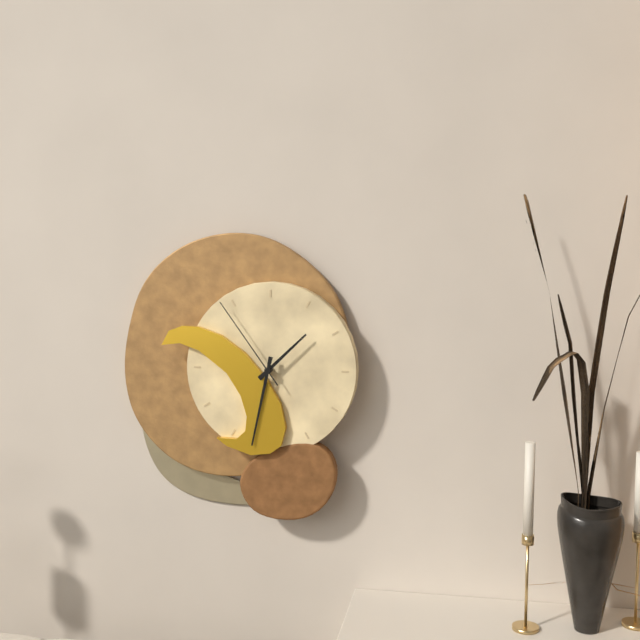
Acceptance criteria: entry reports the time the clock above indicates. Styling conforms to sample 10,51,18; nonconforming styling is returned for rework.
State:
1,32,54
